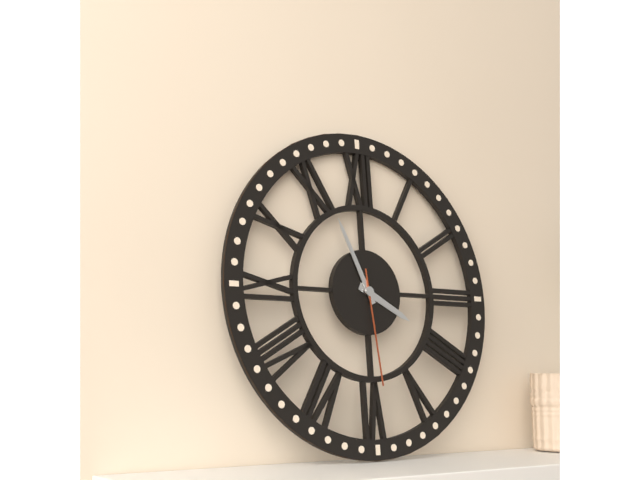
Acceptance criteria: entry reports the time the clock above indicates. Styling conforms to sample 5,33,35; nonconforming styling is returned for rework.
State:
3,56,29
